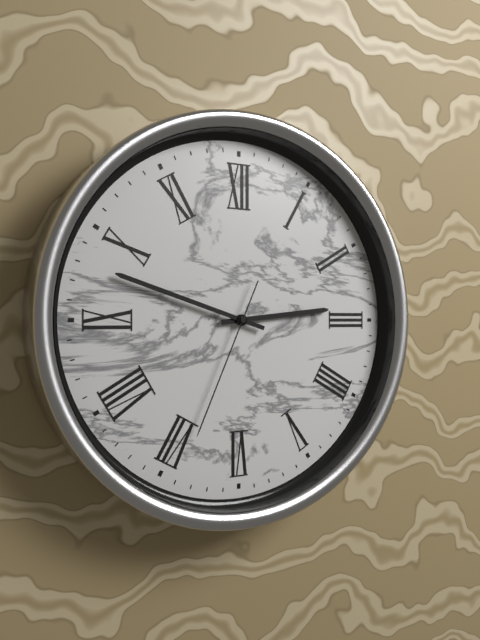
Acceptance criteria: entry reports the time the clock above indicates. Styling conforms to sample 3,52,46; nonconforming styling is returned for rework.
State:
2,48,34
